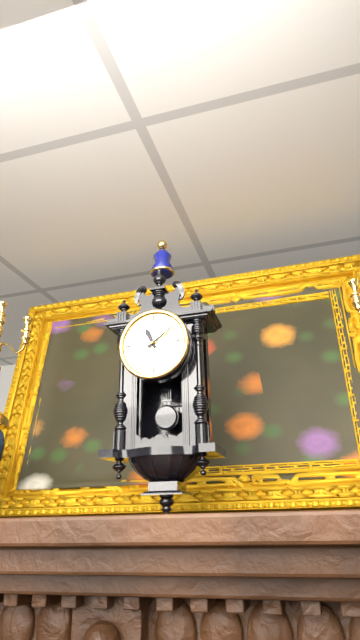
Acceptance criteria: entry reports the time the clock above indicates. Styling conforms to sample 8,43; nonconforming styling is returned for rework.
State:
11,09
